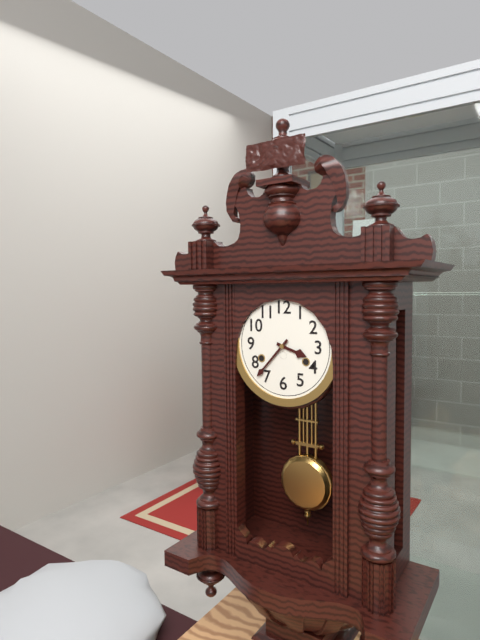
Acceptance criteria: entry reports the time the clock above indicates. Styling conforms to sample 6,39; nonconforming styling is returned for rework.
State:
3,37
